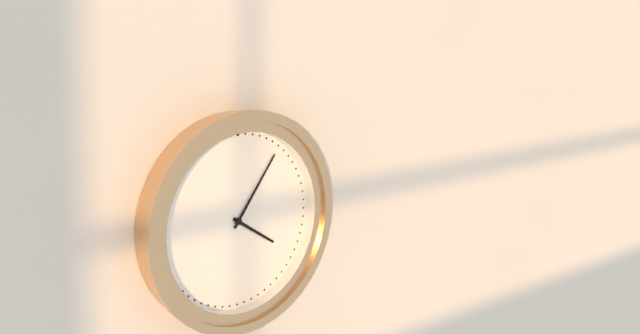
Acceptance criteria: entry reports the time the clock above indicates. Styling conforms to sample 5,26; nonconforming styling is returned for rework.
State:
4,06
